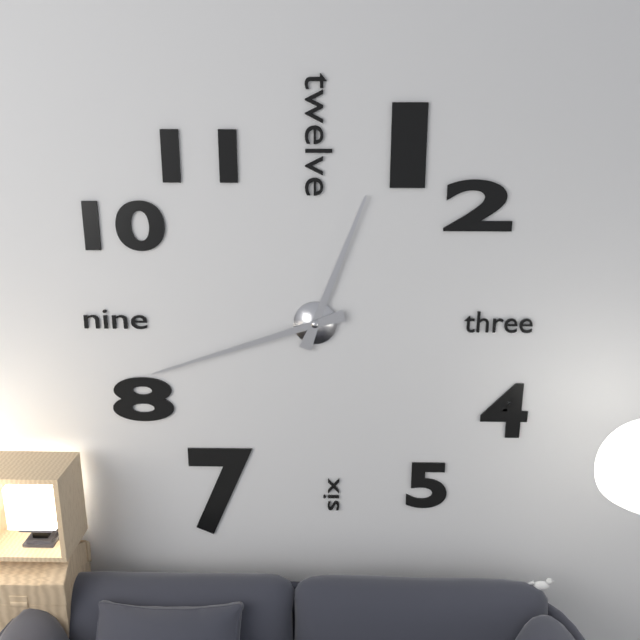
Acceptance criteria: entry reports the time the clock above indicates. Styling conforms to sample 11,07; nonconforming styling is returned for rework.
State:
12,42
